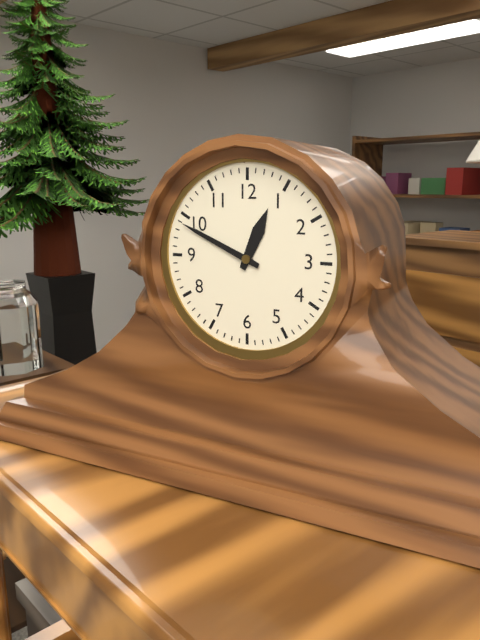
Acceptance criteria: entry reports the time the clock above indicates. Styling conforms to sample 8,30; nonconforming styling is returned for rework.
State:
12,49
